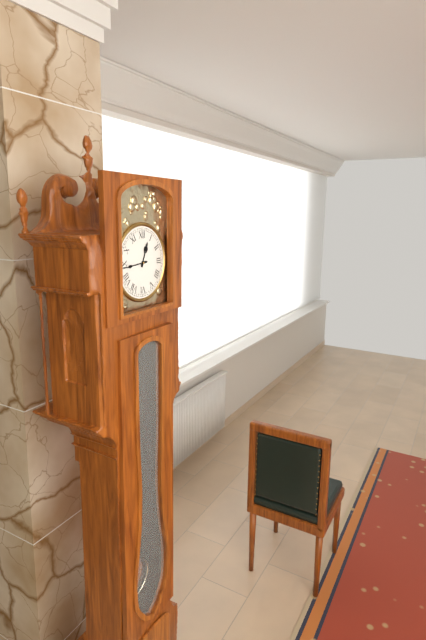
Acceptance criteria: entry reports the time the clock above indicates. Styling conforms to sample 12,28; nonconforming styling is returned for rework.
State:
12,44
